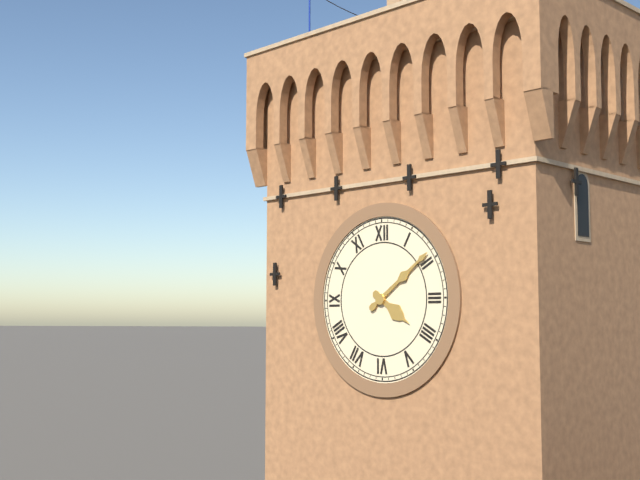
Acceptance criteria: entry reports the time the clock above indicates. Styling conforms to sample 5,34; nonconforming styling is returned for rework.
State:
4,09
